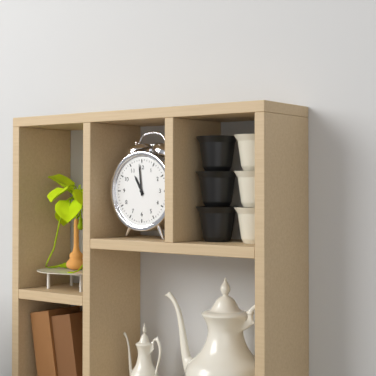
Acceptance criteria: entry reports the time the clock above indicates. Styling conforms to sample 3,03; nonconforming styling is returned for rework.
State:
10,59
